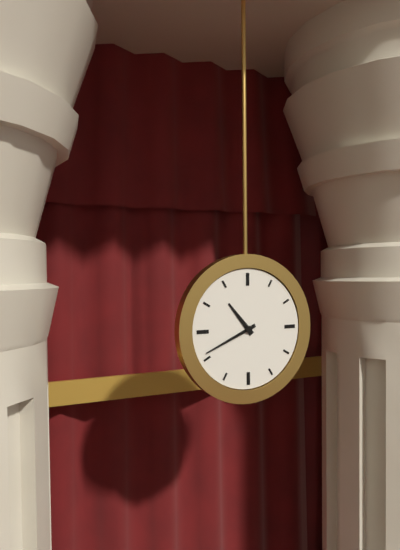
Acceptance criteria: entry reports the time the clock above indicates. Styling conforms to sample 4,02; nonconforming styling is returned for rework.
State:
10,41
